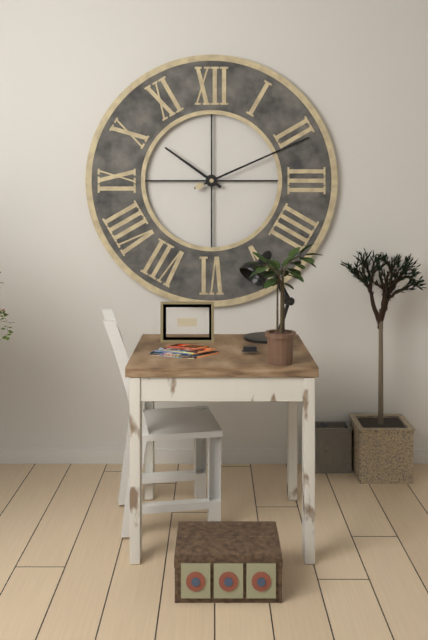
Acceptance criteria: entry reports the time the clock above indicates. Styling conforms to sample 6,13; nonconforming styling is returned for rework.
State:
10,11
